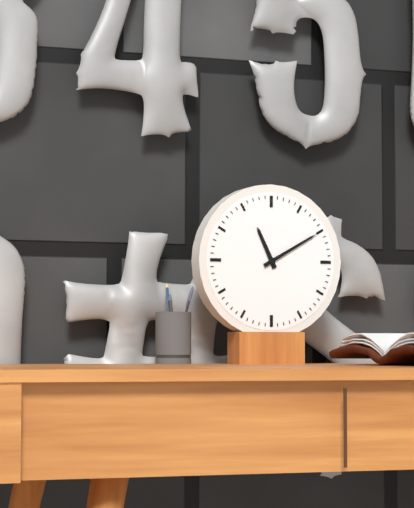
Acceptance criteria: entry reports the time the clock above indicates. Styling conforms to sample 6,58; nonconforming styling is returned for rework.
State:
11,10
